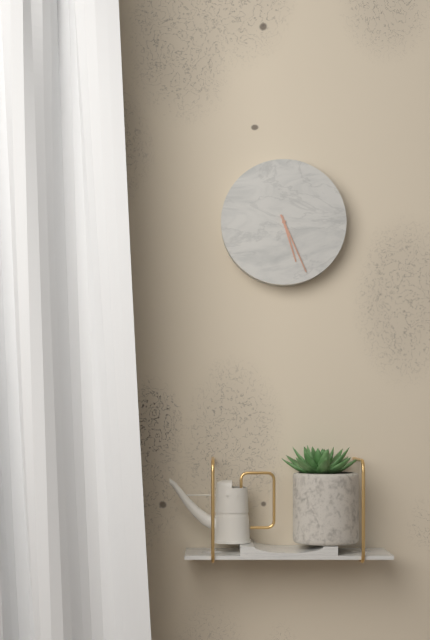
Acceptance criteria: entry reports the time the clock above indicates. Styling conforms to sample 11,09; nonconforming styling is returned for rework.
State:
5,26
